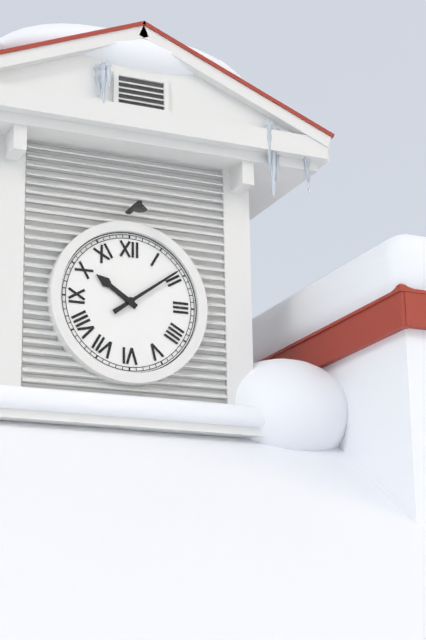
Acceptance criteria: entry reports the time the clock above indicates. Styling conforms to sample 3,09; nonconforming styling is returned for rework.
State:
10,09
